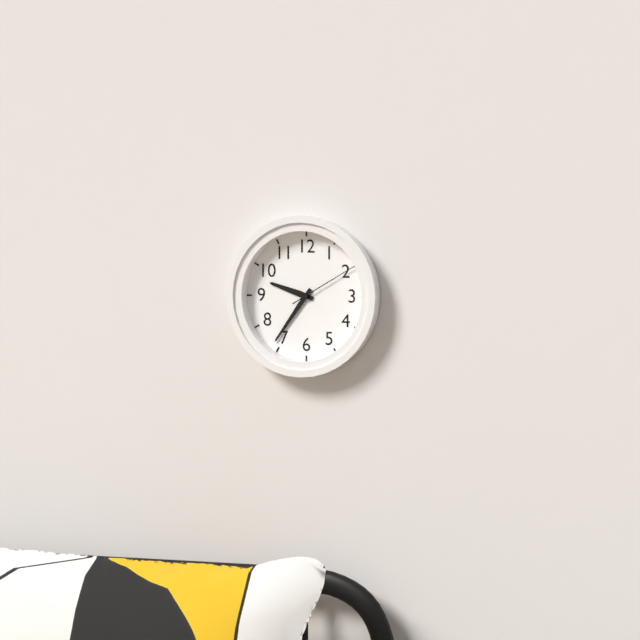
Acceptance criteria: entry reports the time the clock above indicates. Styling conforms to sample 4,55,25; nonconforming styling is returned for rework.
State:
9,36,10
